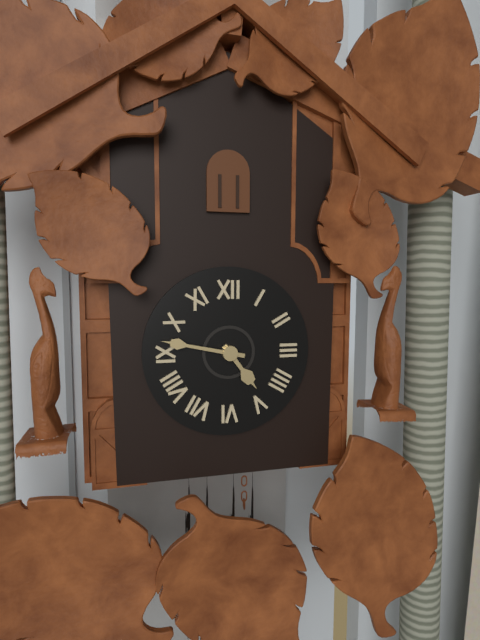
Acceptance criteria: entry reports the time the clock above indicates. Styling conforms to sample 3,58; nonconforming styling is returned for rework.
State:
4,47
